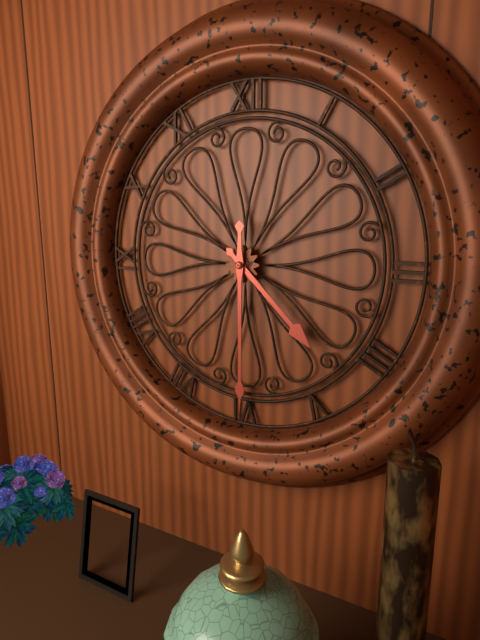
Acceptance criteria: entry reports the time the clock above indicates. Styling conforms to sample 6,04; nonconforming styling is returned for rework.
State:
4,30
